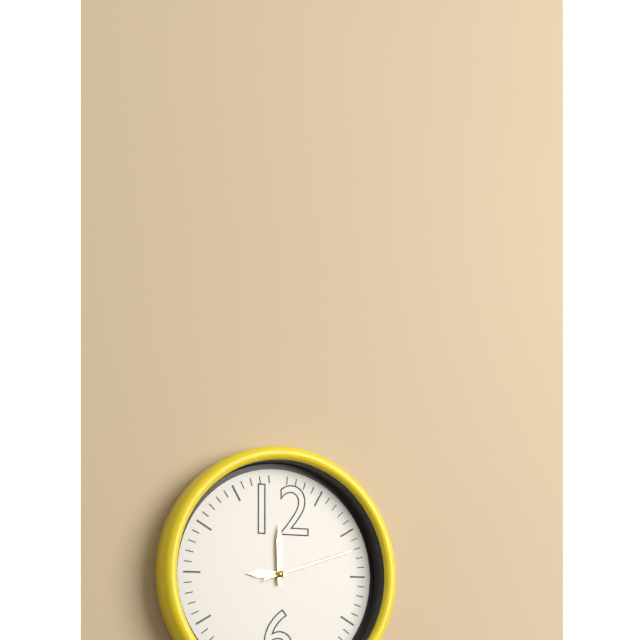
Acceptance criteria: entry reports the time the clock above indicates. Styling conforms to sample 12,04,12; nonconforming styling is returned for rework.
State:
9,00,12
